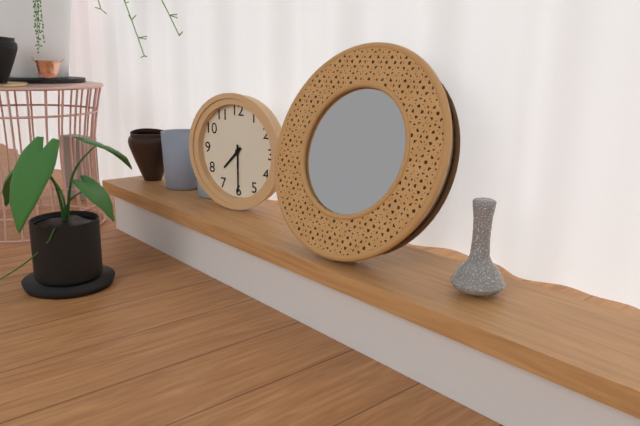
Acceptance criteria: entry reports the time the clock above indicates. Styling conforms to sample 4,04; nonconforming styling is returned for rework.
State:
7,30
